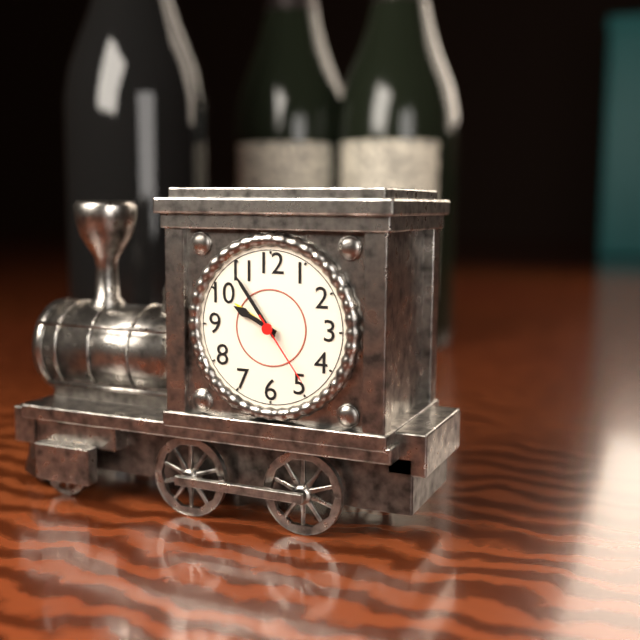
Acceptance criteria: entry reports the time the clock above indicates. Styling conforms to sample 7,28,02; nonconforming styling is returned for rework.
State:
9,54,24
